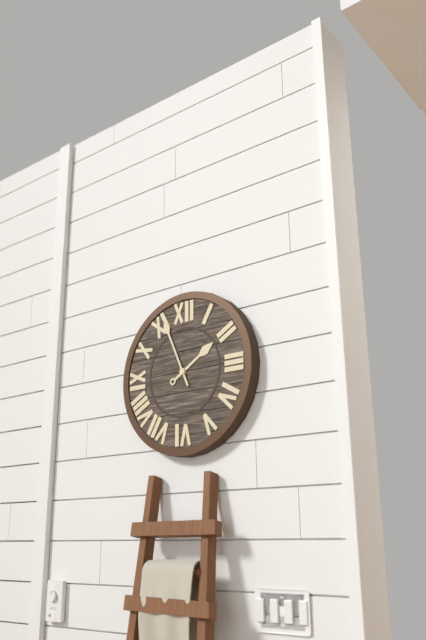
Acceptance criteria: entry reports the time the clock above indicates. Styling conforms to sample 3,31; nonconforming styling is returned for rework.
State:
1,56
